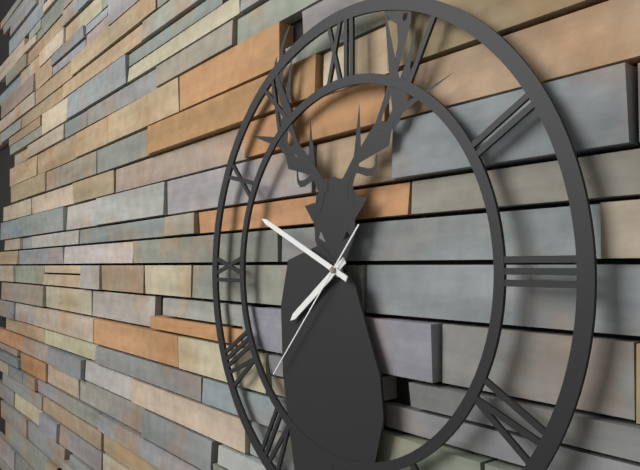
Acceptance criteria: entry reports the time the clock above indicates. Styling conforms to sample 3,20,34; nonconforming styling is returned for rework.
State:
7,49,37
